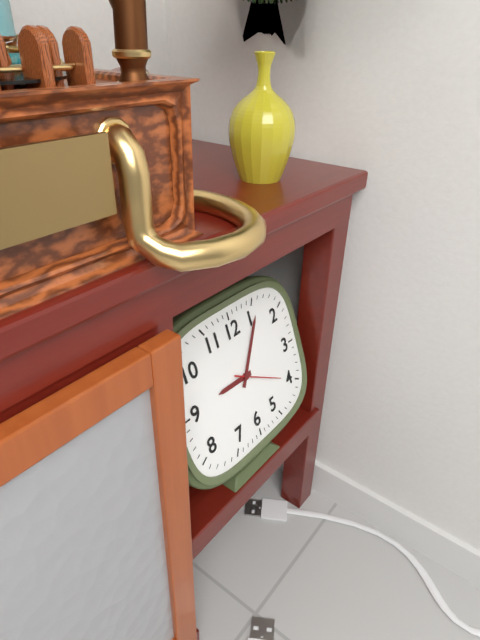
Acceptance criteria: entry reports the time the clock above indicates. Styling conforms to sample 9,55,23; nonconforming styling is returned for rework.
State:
9,06,20
